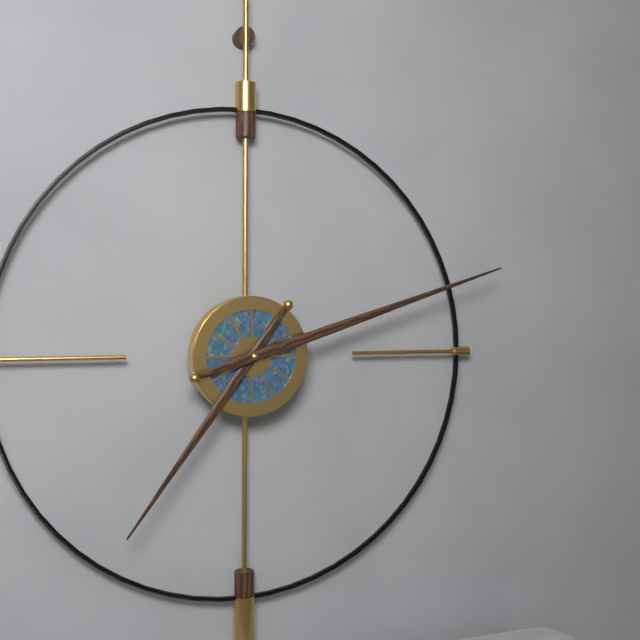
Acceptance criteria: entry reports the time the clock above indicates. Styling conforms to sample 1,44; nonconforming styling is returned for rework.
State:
7,12
